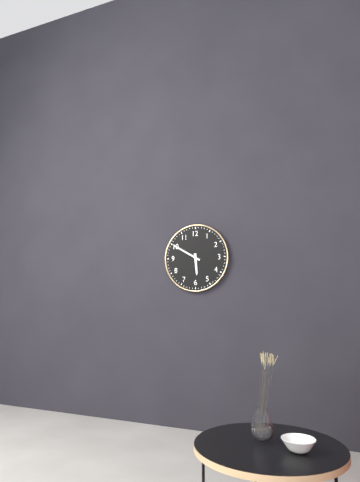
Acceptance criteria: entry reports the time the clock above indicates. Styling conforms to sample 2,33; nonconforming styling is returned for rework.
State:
5,50
